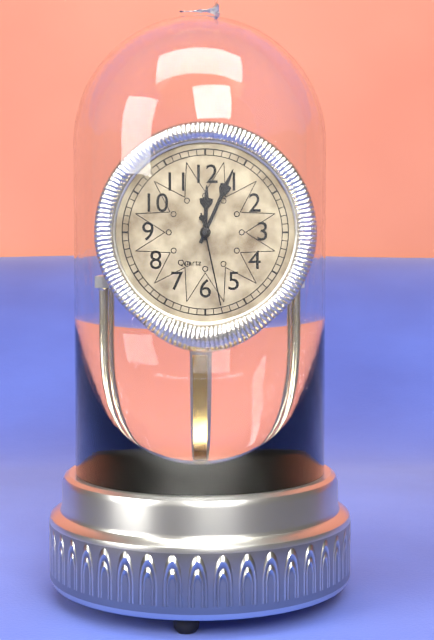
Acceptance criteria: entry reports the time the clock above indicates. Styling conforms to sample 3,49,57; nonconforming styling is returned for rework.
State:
12,04,28
